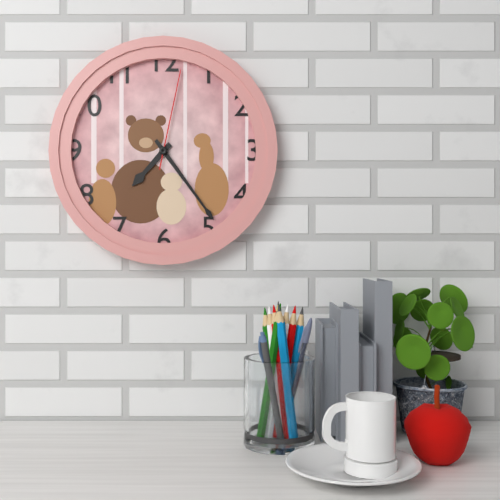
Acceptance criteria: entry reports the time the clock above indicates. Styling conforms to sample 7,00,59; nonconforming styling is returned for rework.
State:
7,24,02
